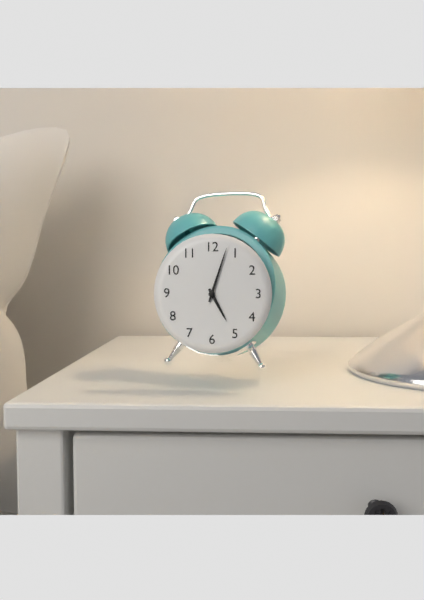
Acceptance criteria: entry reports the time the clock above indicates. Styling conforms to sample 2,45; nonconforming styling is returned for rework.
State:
5,03
